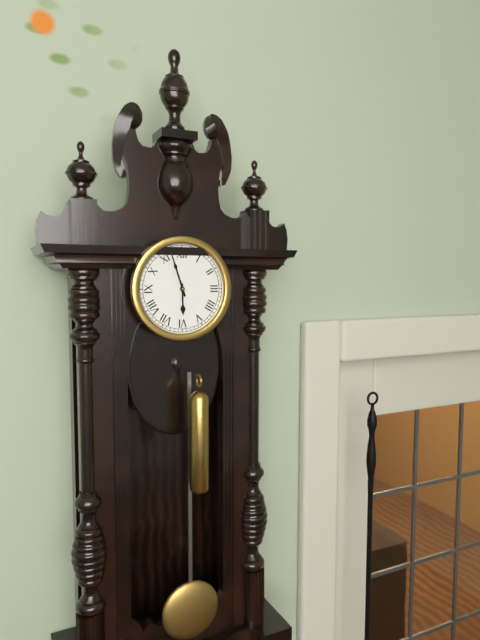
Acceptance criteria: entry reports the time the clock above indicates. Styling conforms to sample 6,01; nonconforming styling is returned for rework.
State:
5,57
